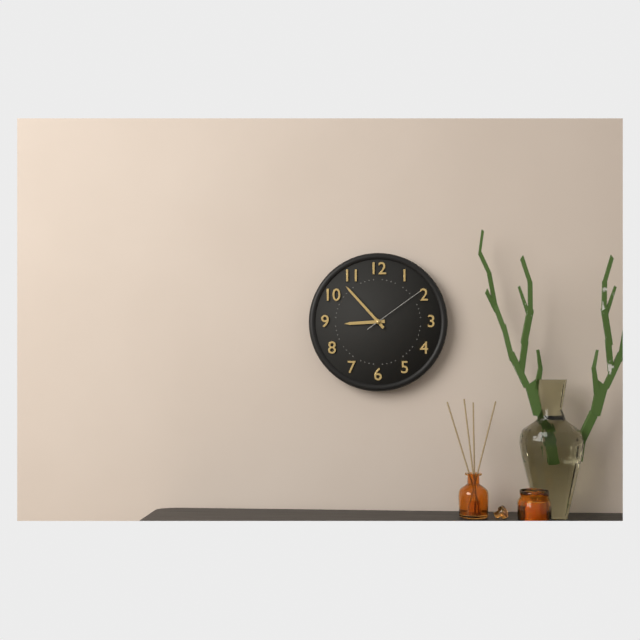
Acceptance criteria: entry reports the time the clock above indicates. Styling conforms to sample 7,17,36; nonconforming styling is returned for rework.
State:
8,53,09
